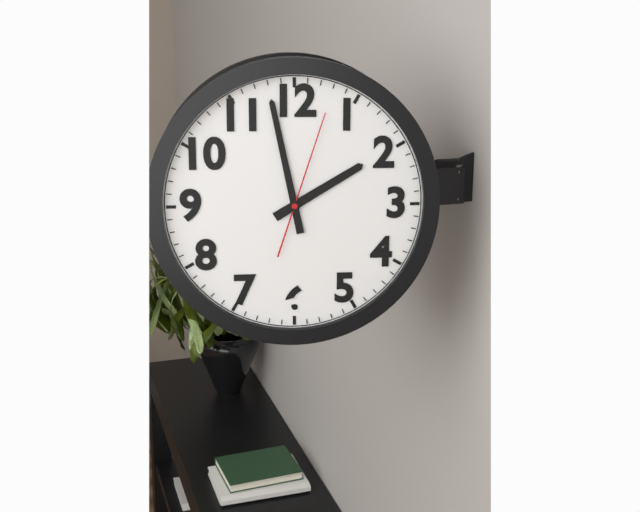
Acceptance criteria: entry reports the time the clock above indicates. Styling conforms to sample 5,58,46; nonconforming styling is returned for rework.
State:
1,58,03
